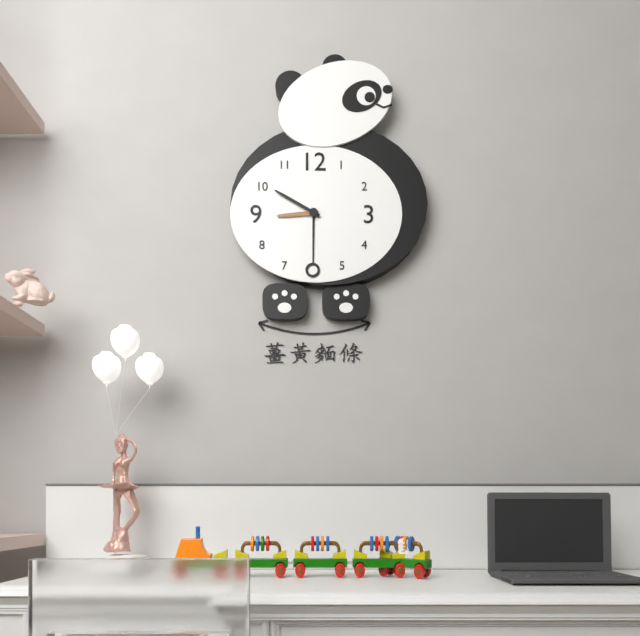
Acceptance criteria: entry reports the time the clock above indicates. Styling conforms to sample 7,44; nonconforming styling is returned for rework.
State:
8,50
